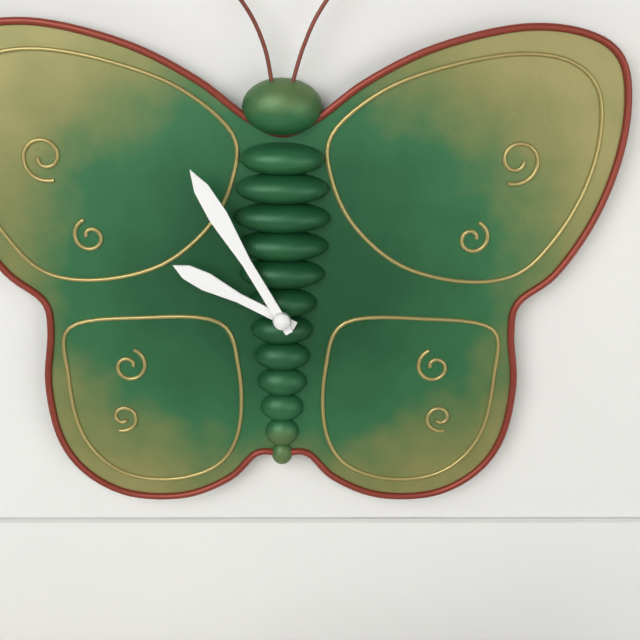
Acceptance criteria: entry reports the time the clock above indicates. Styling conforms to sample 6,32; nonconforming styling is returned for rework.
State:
9,55
